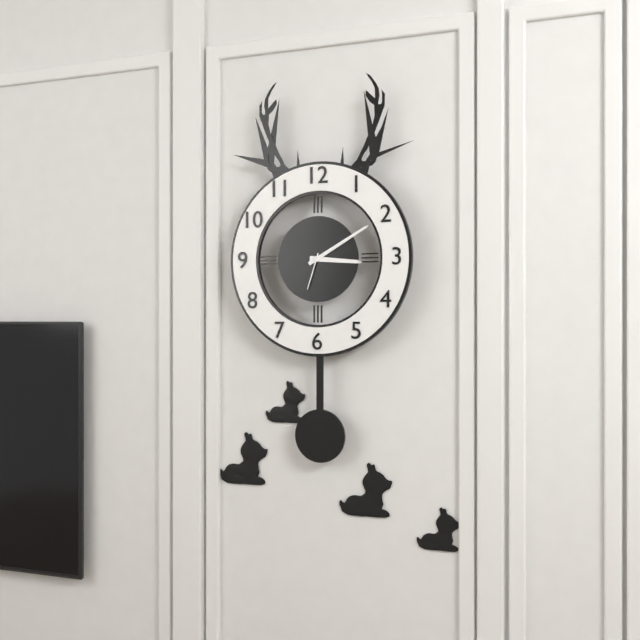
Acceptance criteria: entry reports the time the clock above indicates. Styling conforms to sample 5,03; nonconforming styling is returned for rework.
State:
3,10
